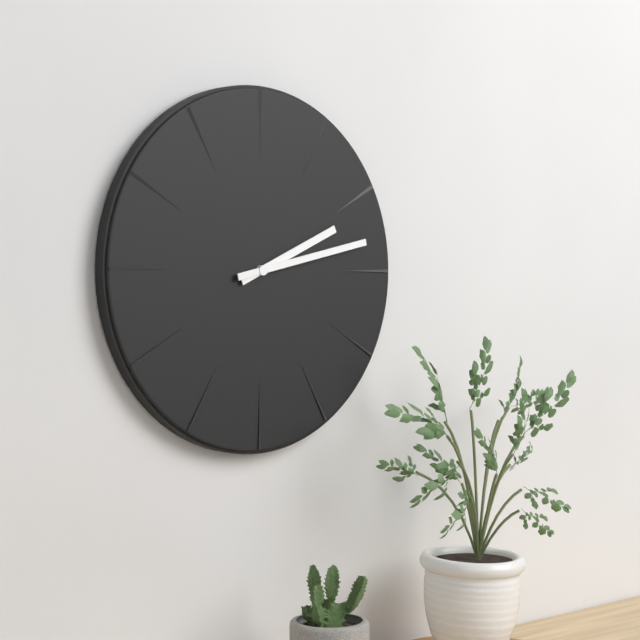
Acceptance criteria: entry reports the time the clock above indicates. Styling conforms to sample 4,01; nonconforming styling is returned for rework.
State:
2,13
